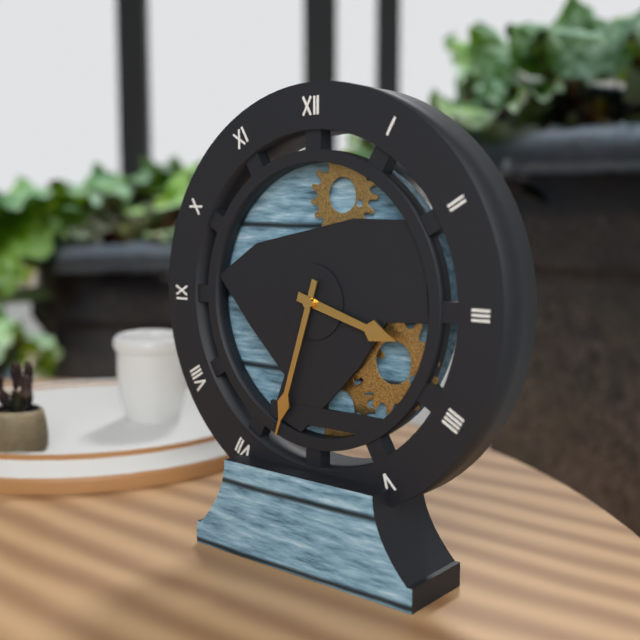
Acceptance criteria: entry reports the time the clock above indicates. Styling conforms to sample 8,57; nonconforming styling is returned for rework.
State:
3,33
